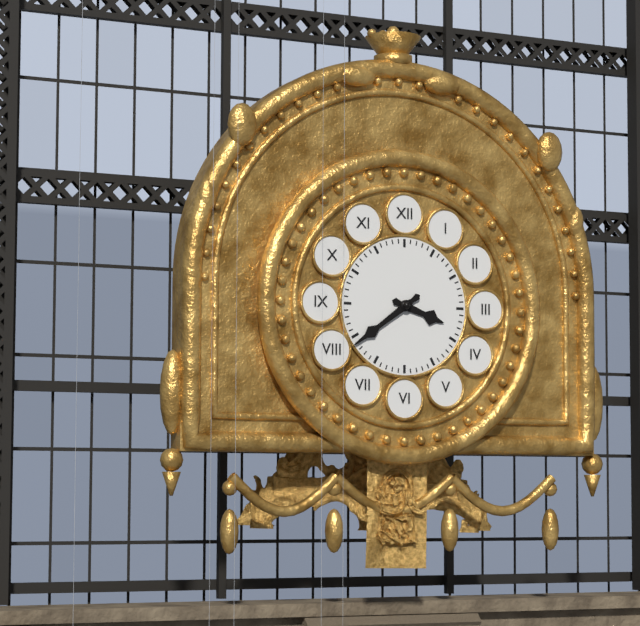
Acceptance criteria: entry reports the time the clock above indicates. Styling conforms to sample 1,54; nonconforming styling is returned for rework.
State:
3,39
